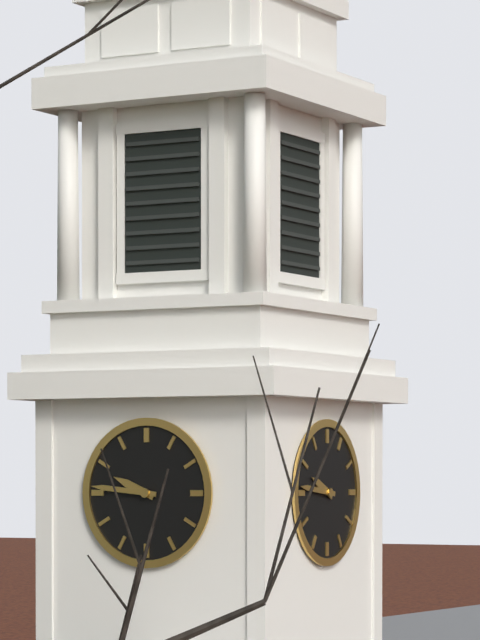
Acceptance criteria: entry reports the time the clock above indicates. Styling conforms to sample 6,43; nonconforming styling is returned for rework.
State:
9,46
